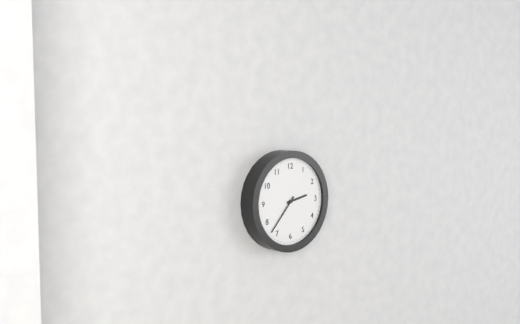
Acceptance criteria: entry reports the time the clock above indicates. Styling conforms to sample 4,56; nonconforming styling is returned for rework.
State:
2,37
